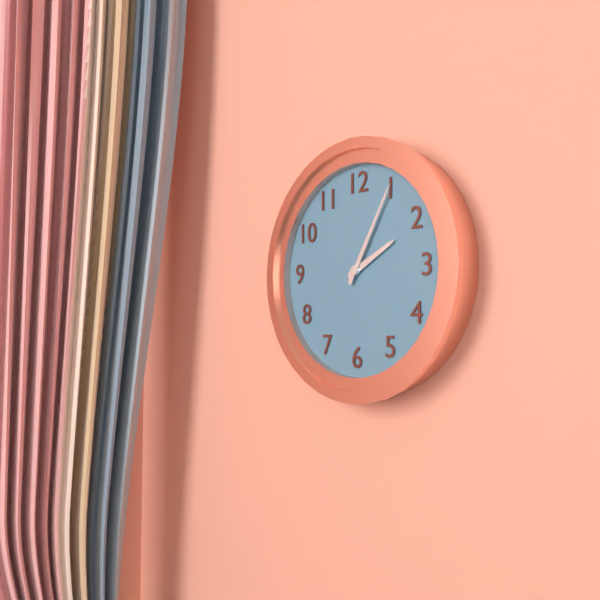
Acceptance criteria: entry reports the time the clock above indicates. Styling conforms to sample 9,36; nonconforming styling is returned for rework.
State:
2,05
